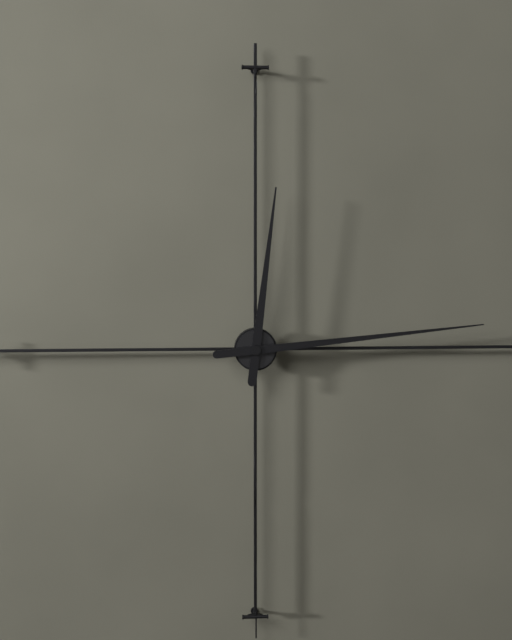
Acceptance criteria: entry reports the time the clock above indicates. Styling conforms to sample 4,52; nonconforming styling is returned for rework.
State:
12,14
